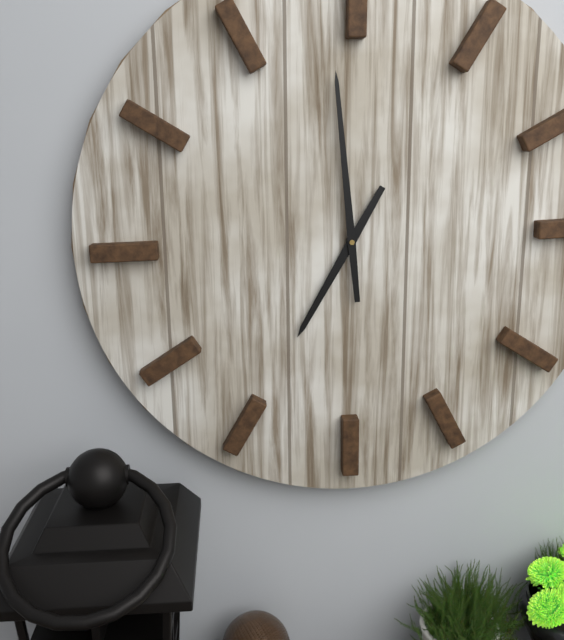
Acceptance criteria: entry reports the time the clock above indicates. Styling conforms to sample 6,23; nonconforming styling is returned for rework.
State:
6,59
